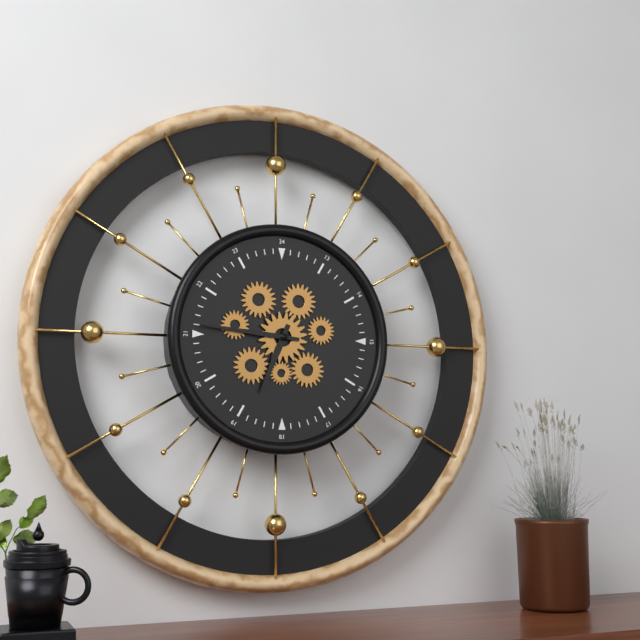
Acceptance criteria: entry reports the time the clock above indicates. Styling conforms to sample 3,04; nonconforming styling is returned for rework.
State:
6,46
